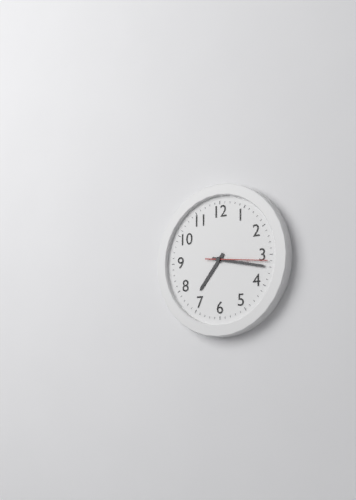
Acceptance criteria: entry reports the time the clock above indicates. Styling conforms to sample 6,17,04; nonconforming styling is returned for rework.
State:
7,17,16
